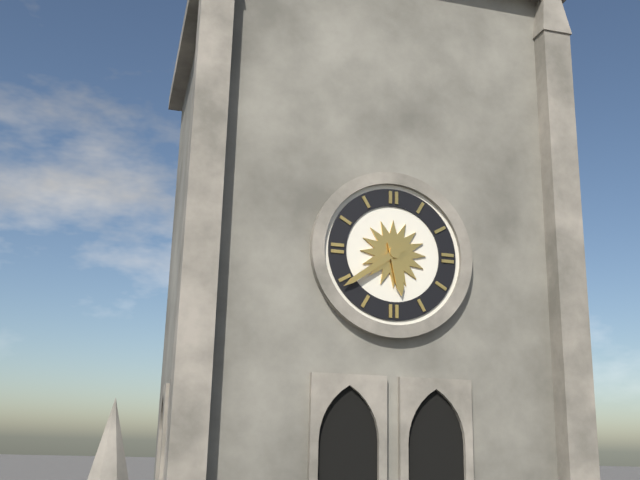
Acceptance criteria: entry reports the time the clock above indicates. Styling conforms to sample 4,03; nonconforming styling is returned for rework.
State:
5,39
